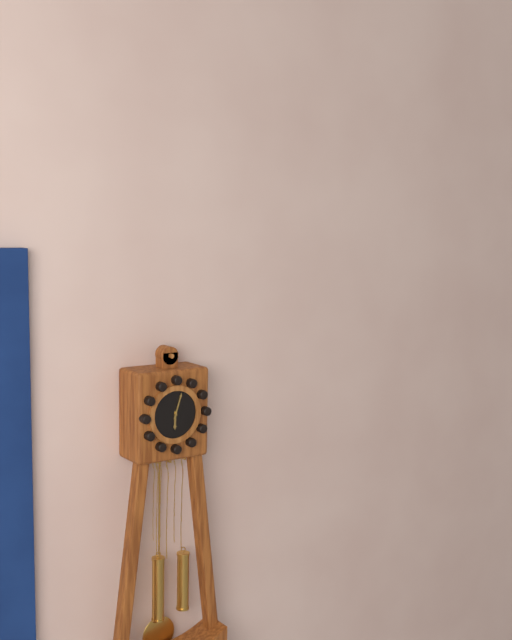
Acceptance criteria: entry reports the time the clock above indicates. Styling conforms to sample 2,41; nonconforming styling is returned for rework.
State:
6,03
